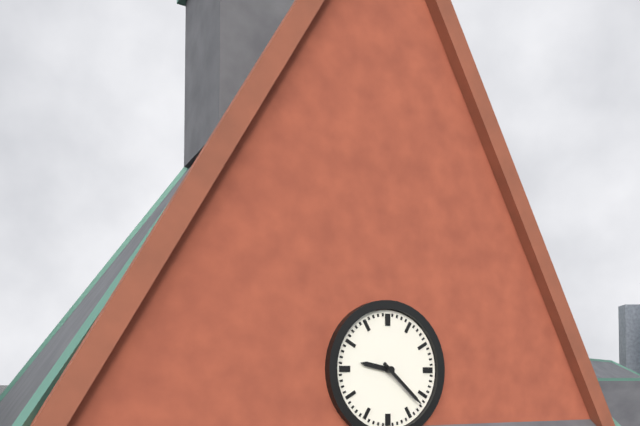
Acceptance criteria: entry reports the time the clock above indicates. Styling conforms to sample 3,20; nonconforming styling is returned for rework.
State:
9,22
